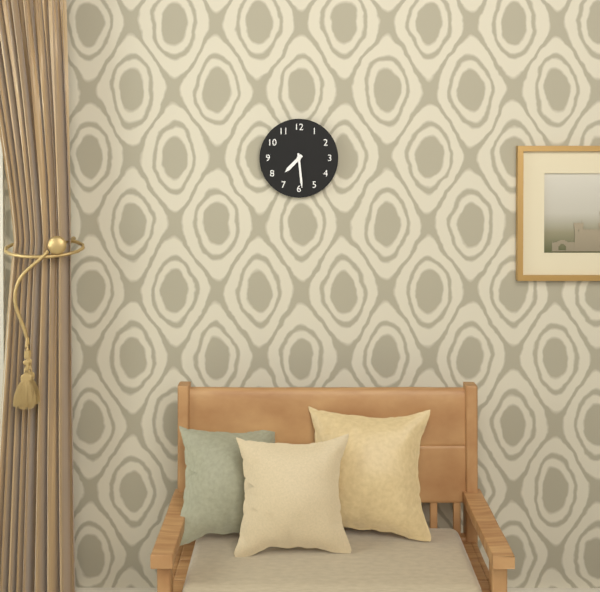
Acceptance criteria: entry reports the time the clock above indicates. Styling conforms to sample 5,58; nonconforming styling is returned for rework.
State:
7,29
